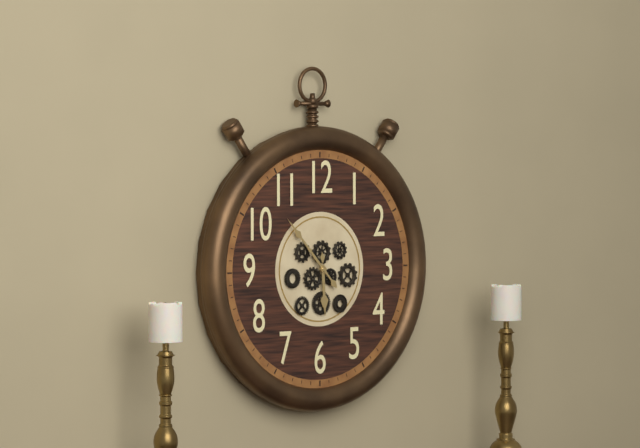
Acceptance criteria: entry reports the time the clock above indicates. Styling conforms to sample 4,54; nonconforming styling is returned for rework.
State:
5,53
